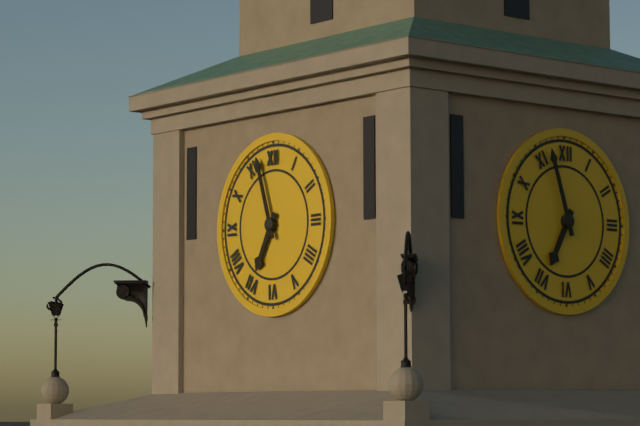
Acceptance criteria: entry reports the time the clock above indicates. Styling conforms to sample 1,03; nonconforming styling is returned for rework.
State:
6,57
